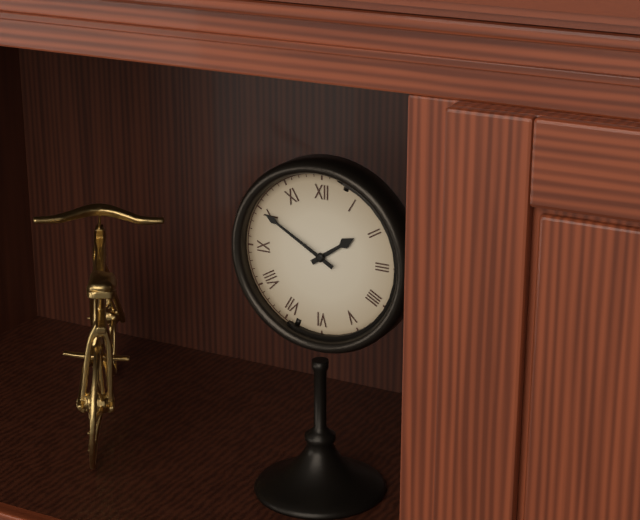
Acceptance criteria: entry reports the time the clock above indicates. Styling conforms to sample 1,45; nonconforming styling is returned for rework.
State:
1,50
